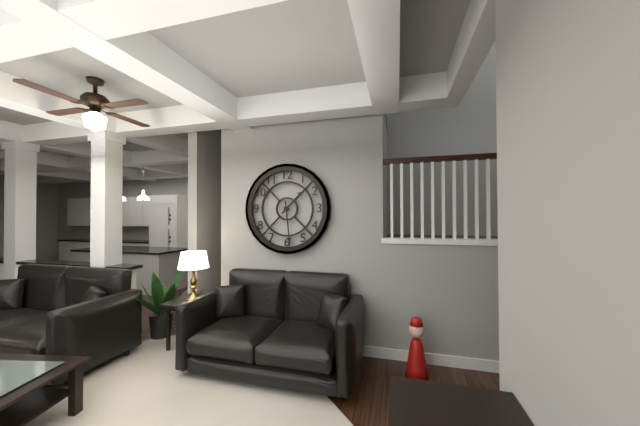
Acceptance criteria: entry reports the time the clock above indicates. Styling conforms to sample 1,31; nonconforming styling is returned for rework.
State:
1,29
